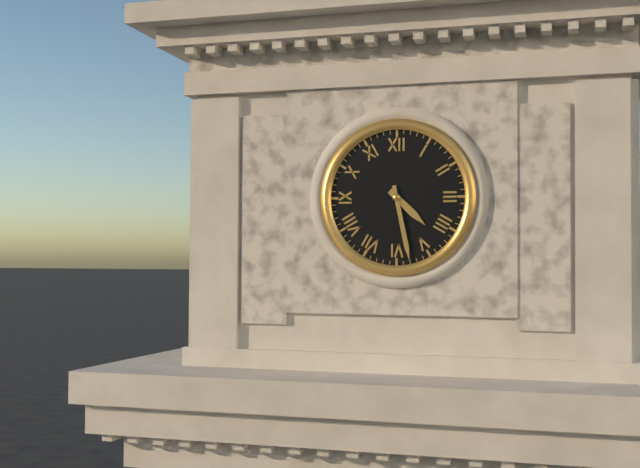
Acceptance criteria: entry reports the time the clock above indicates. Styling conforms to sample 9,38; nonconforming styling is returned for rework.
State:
4,28
